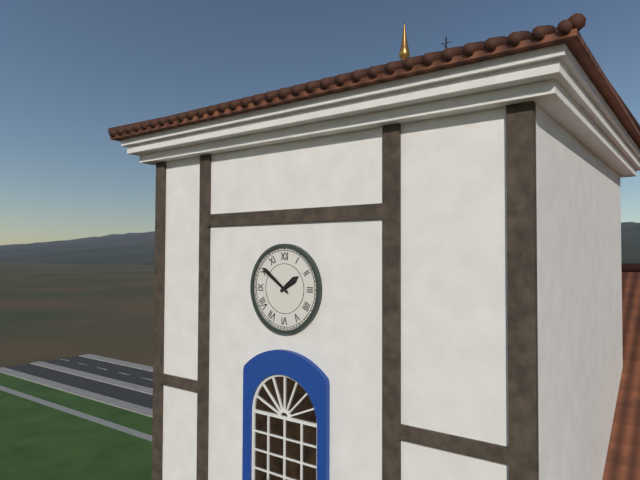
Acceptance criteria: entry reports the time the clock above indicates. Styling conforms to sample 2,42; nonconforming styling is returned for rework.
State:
1,51
